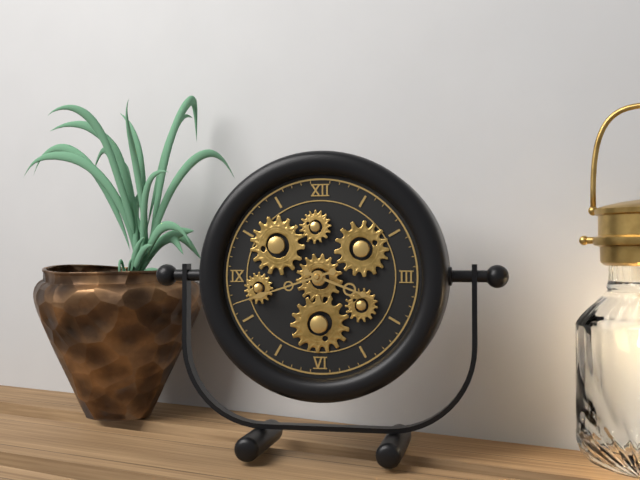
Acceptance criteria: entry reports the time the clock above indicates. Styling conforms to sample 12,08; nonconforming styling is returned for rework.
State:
3,42
